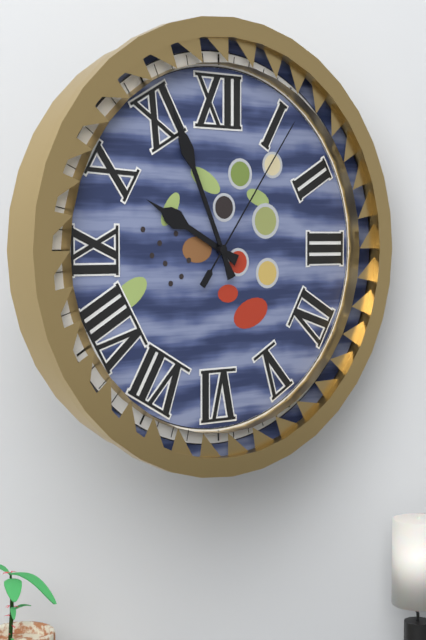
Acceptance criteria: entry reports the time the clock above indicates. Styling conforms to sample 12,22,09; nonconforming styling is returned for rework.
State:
9,56,06
